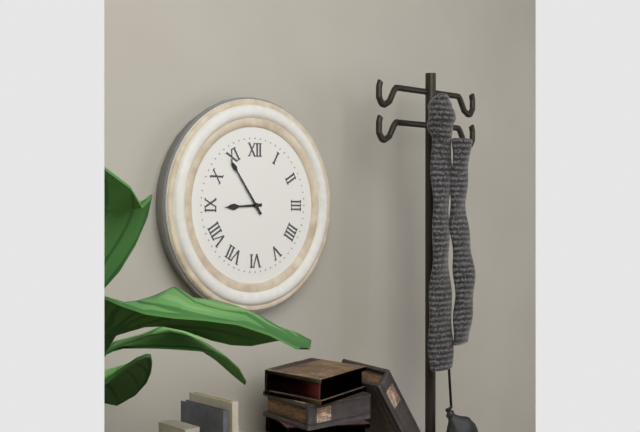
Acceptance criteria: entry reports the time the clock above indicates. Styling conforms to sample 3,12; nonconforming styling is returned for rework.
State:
8,54
